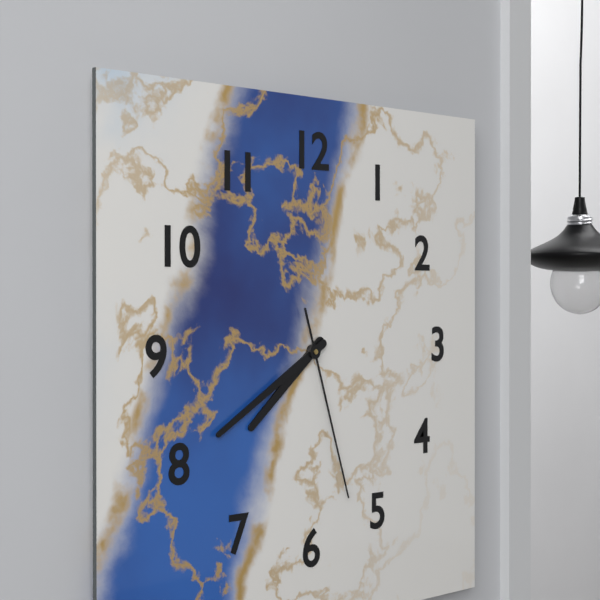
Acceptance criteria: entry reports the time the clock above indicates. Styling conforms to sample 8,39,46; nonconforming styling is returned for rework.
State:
7,40,27
